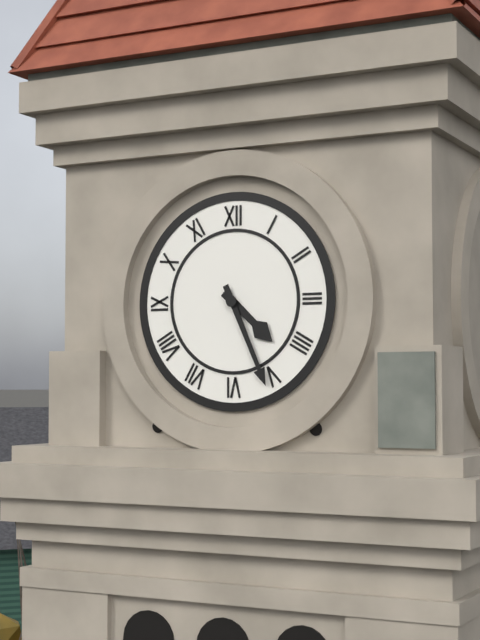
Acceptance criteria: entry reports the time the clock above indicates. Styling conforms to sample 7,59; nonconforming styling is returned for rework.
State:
4,26
